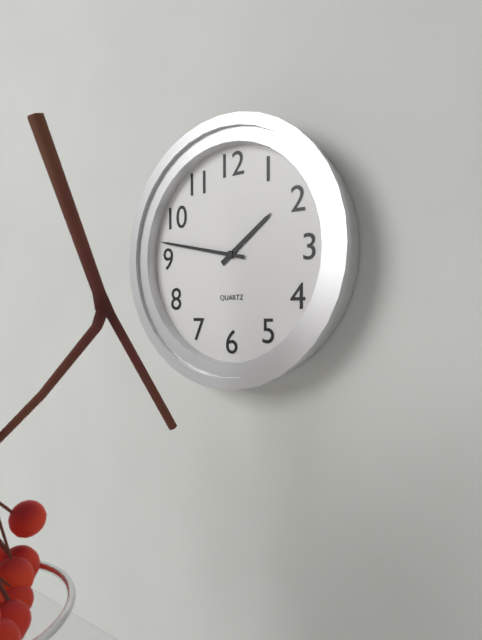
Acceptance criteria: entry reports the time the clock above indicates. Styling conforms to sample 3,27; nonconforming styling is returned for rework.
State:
1,47
